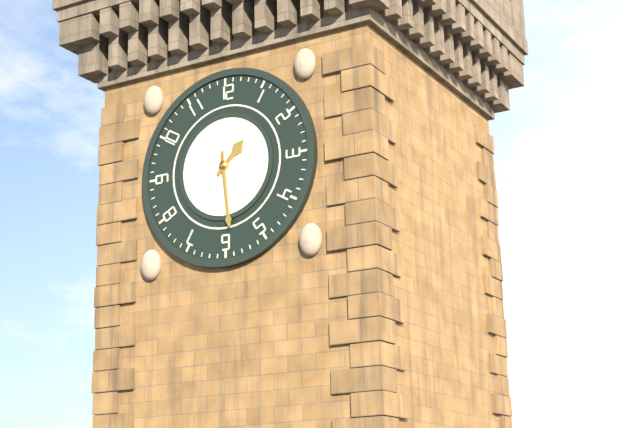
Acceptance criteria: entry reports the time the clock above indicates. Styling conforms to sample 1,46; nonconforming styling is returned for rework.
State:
1,29
